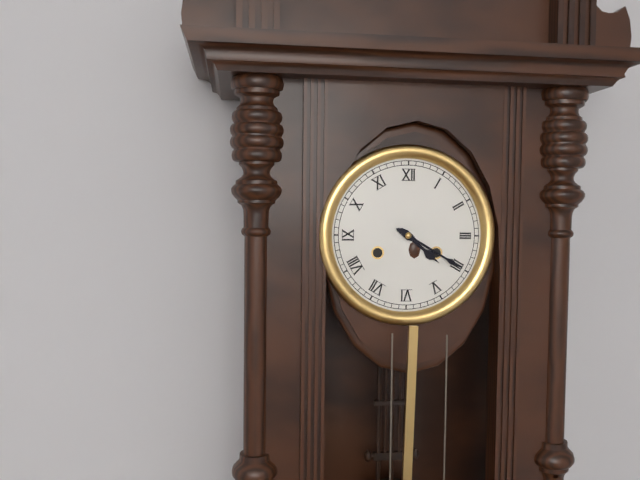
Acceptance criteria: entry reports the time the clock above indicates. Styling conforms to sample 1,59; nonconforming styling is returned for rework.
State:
4,20
